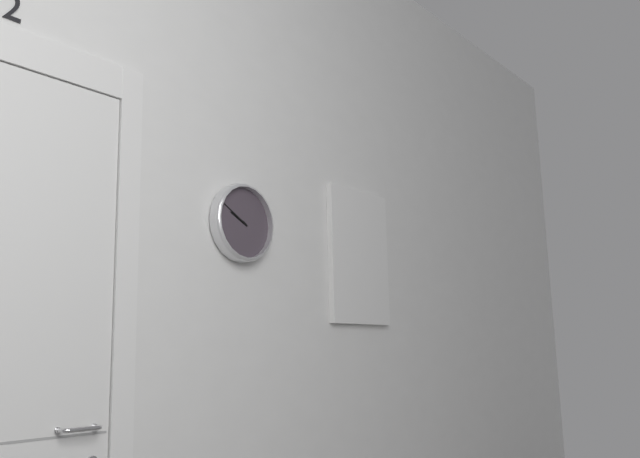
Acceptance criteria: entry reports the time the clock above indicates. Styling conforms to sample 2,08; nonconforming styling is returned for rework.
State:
9,50
